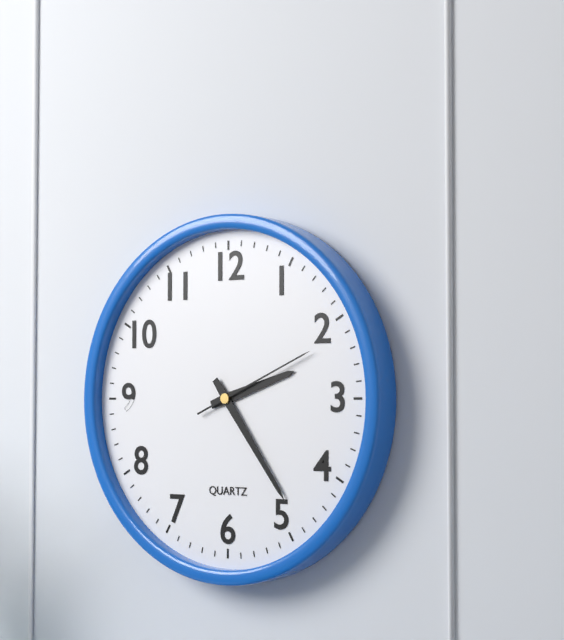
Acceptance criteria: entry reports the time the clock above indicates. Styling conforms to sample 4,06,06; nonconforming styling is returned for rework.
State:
2,24,11
